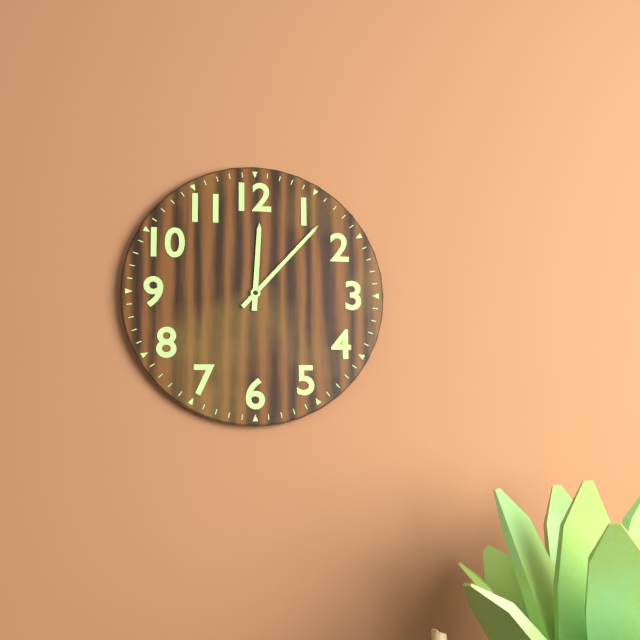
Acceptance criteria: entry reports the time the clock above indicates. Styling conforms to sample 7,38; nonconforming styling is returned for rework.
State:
12,07
